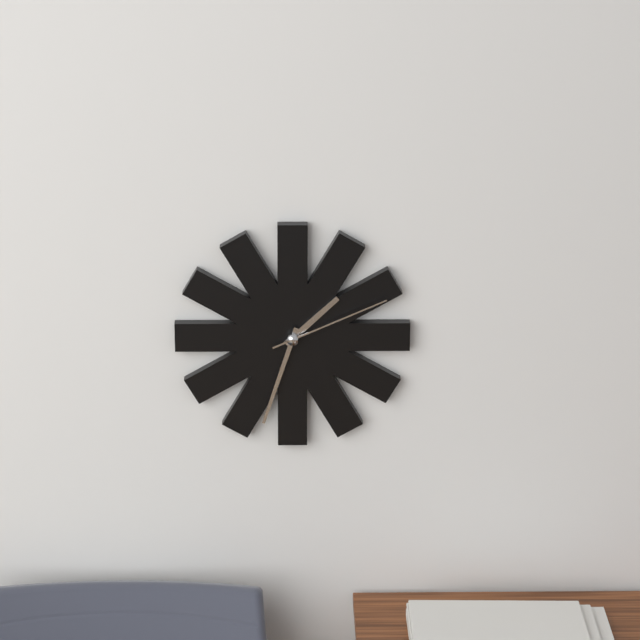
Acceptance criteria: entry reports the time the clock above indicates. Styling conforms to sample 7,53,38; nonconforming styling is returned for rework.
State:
1,33,11
